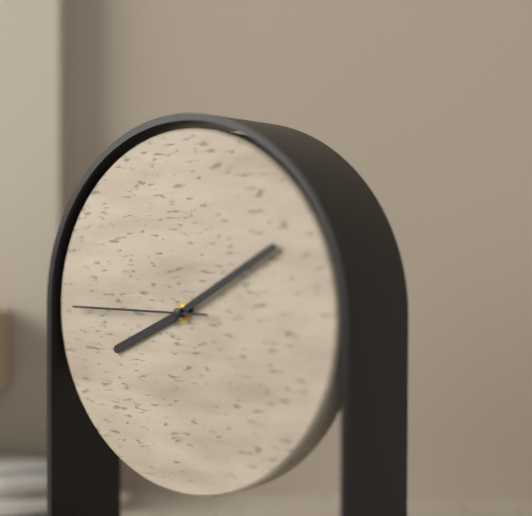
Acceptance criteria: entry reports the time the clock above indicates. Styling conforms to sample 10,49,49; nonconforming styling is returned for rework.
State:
8,10,45
